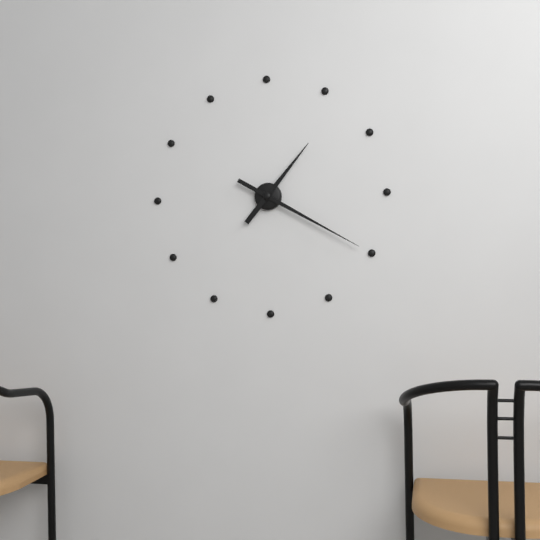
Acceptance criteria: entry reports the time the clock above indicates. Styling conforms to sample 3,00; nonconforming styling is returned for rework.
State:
1,20
